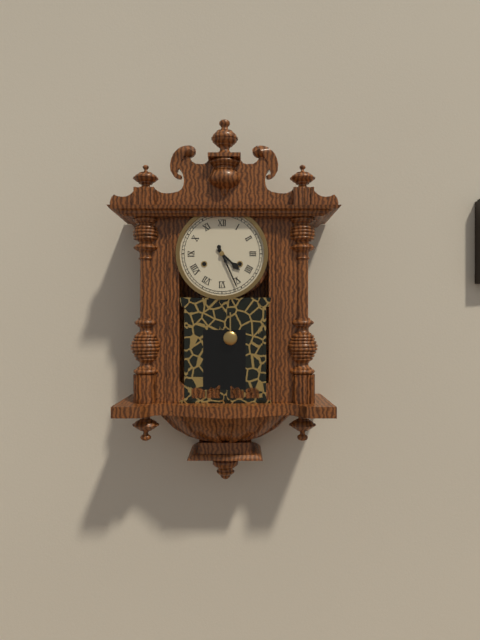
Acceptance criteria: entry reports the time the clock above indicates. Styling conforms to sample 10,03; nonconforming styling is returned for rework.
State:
4,26
